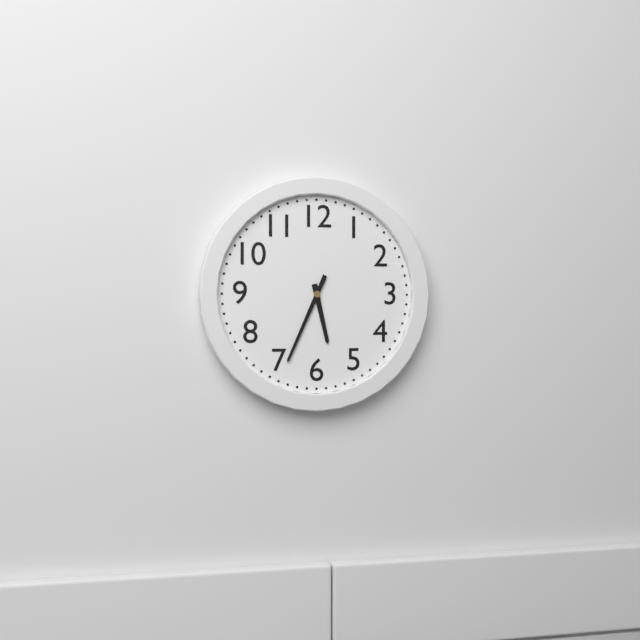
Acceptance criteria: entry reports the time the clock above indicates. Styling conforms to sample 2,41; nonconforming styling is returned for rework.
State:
5,34
